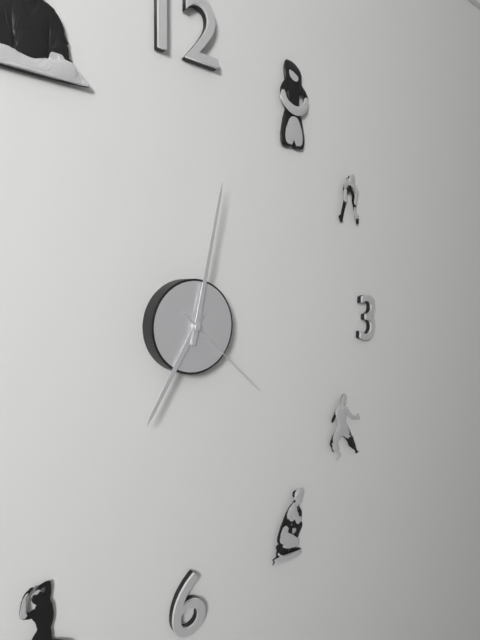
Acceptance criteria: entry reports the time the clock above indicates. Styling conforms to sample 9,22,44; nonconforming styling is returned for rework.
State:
7,02,22
